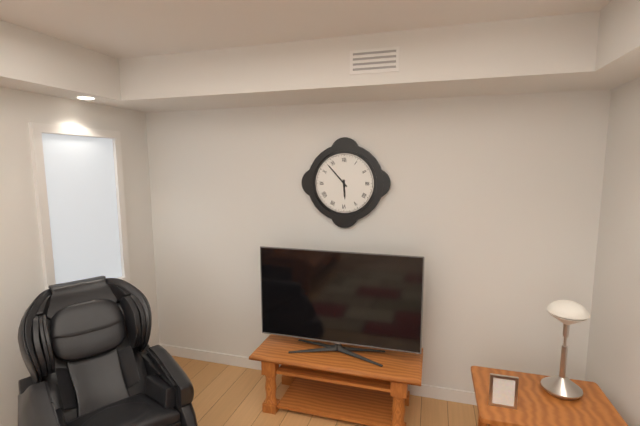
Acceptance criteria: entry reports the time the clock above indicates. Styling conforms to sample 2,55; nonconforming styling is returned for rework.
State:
5,53
